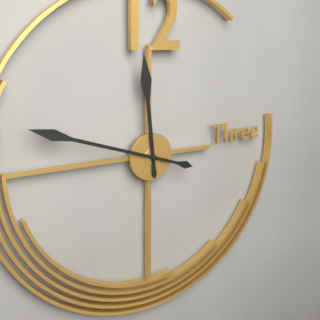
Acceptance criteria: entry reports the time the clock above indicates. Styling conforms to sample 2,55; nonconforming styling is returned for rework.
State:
11,48
